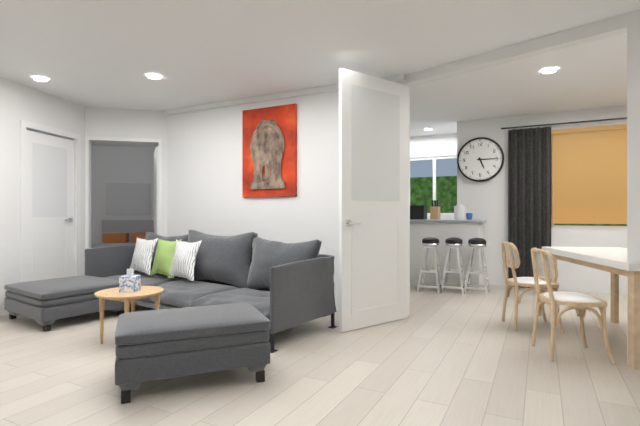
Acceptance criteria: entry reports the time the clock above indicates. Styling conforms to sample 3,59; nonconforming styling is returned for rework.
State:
5,15
